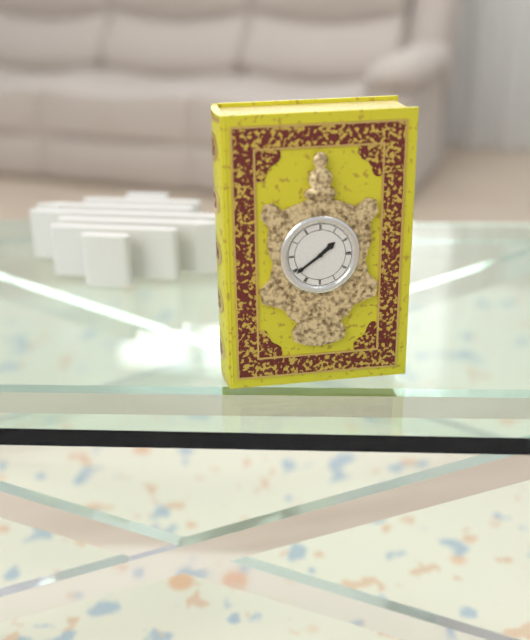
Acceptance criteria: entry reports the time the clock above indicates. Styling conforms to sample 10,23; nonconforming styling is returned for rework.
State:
1,39
